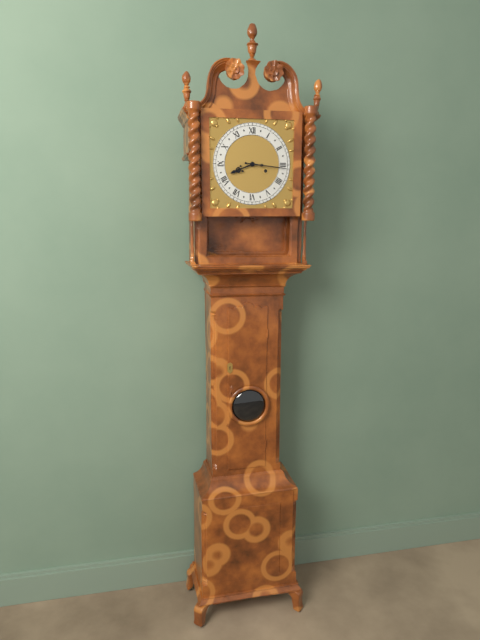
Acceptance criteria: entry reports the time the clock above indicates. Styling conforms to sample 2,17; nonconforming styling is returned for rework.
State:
8,16
